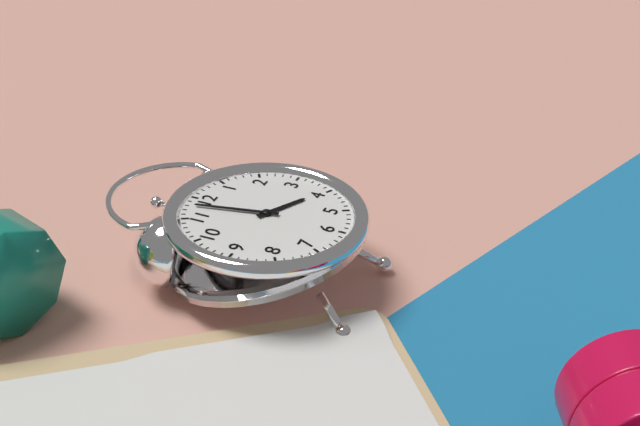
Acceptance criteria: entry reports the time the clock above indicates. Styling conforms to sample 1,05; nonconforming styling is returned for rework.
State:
3,58
